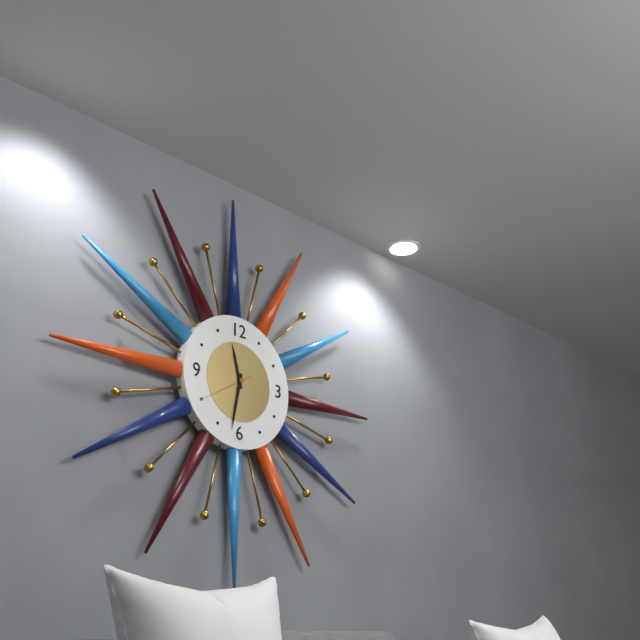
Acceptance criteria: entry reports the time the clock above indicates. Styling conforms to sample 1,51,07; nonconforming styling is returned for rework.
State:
11,32,40
